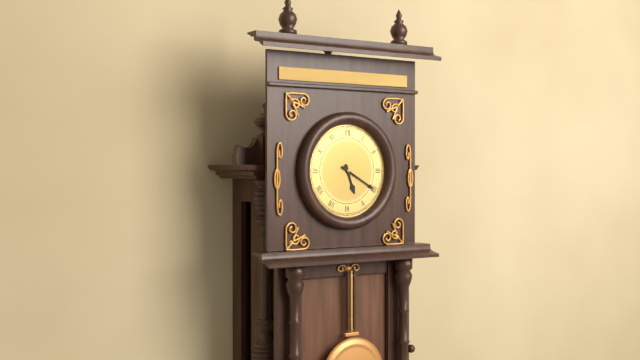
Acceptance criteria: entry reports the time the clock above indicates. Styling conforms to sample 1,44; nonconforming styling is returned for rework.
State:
5,20
